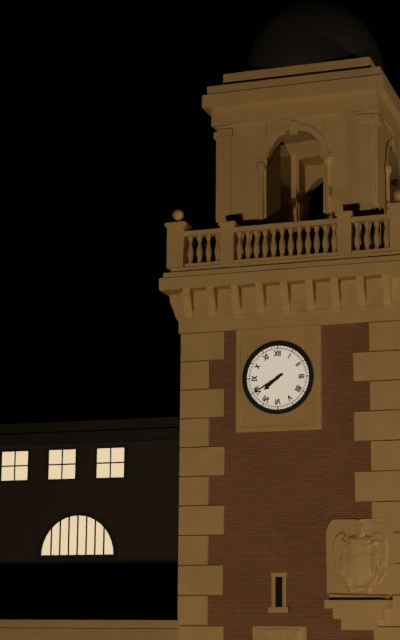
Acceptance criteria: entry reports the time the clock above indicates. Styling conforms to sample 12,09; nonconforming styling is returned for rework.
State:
7,40
